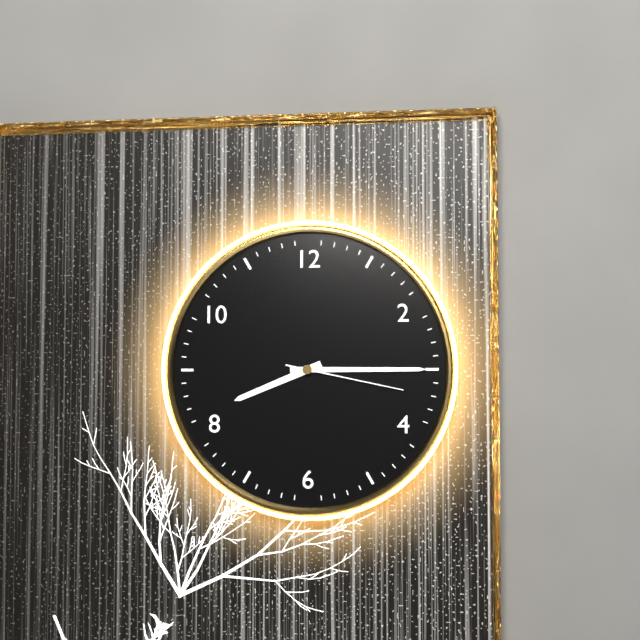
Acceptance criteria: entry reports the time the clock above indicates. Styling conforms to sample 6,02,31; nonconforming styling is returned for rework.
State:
8,15,17
